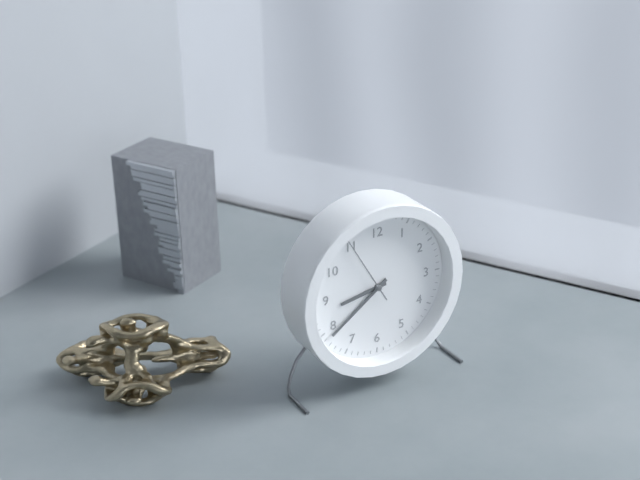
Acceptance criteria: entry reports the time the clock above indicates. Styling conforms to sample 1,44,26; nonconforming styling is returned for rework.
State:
8,39,55
